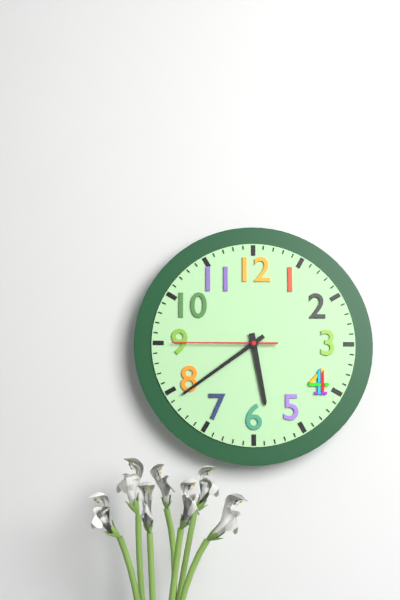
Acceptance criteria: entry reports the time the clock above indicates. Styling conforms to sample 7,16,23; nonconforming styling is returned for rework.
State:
5,39,45
